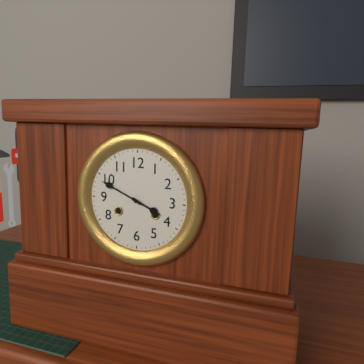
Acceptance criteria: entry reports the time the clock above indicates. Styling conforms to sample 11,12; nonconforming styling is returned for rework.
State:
3,49
